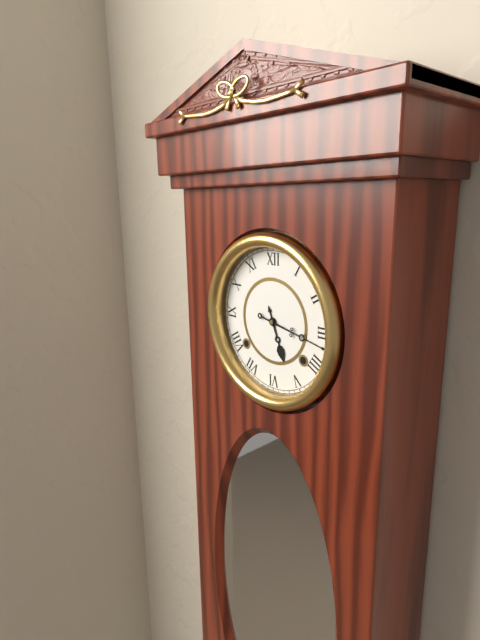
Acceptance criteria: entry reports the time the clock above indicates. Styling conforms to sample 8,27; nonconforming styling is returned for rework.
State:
5,17
